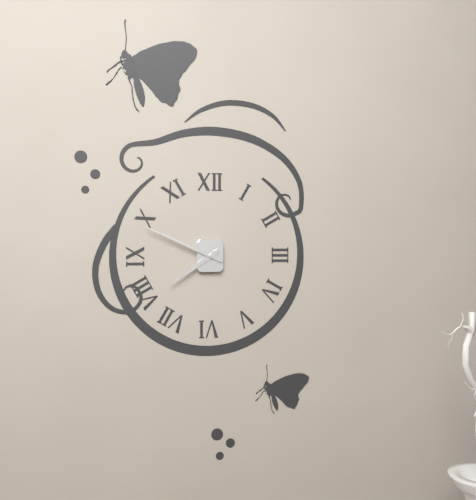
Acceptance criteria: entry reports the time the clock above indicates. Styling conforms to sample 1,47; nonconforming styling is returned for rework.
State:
7,49
